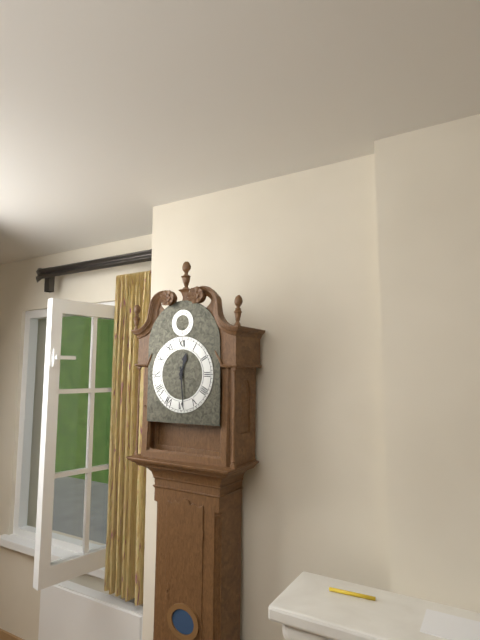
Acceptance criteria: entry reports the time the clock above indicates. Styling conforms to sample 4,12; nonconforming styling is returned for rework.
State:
12,29
